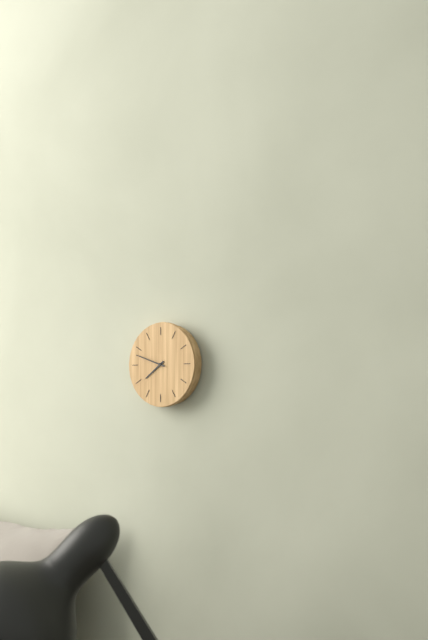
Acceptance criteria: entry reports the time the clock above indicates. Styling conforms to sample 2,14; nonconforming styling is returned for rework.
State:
7,48
